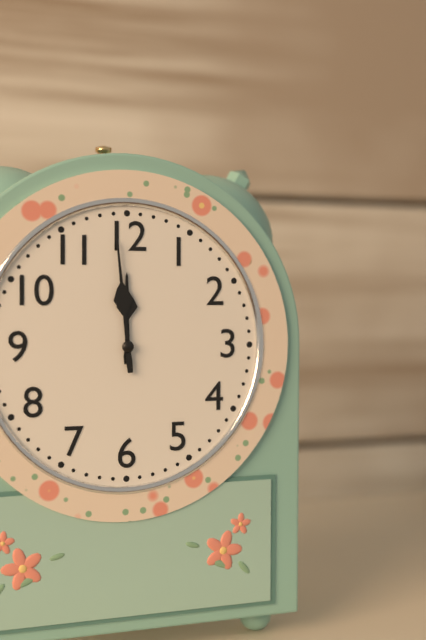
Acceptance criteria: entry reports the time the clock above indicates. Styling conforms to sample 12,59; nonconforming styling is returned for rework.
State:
11,59
